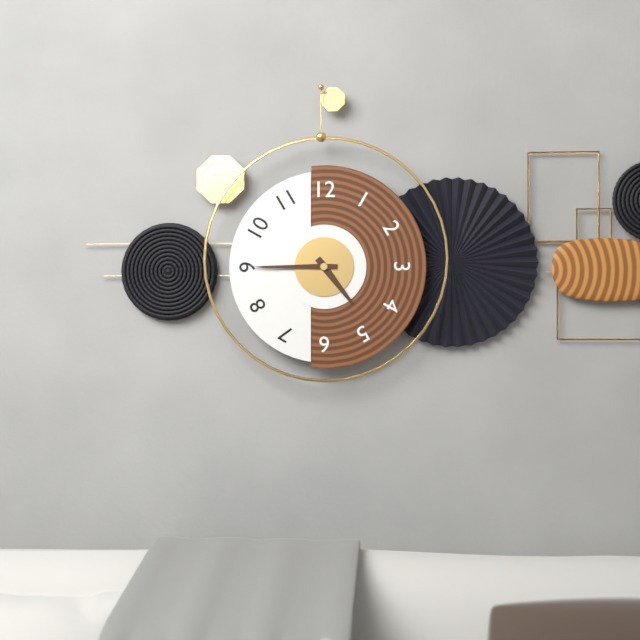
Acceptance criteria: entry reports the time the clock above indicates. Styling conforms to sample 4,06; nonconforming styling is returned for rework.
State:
4,45
